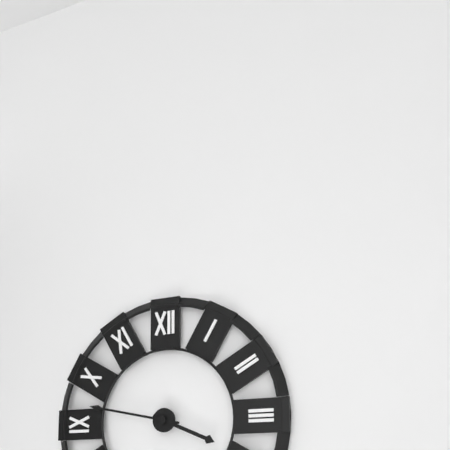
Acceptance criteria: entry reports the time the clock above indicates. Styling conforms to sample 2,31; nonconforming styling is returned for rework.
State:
3,47
